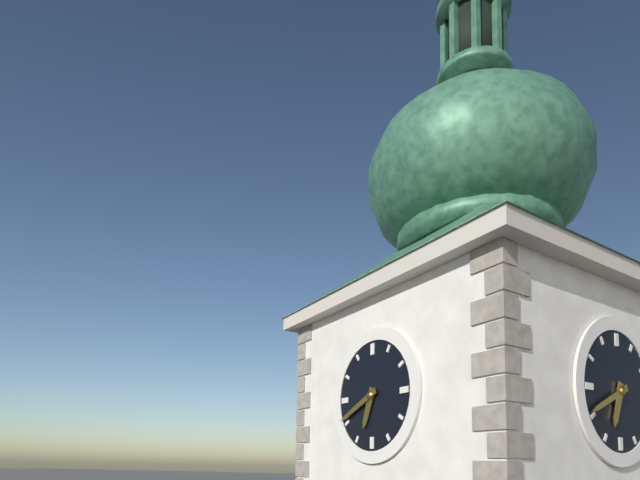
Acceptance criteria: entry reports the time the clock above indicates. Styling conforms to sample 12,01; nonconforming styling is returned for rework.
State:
6,41
